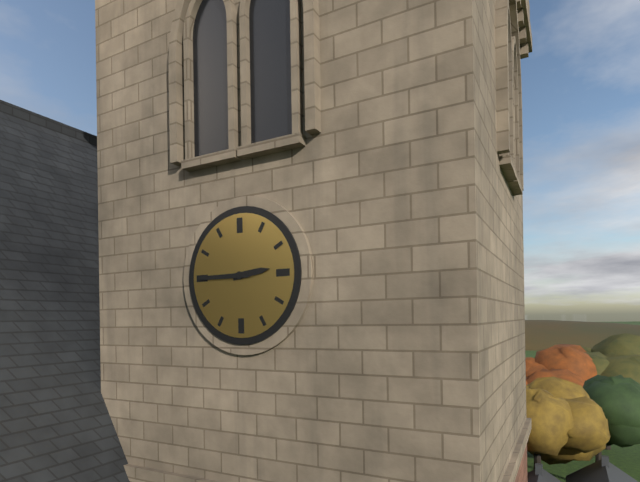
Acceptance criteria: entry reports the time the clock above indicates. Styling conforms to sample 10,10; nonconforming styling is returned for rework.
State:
2,45
